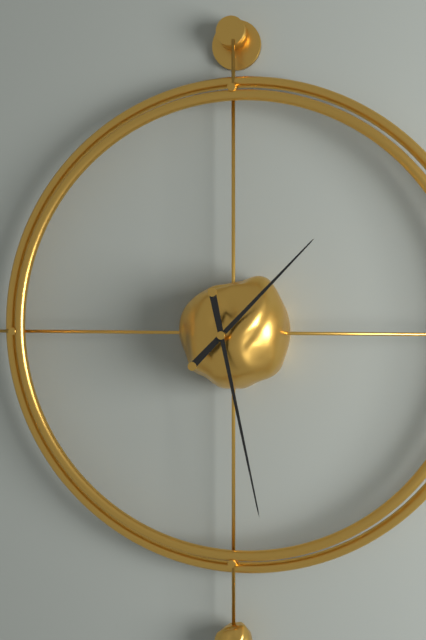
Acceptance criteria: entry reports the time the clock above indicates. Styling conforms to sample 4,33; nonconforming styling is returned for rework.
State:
1,28
